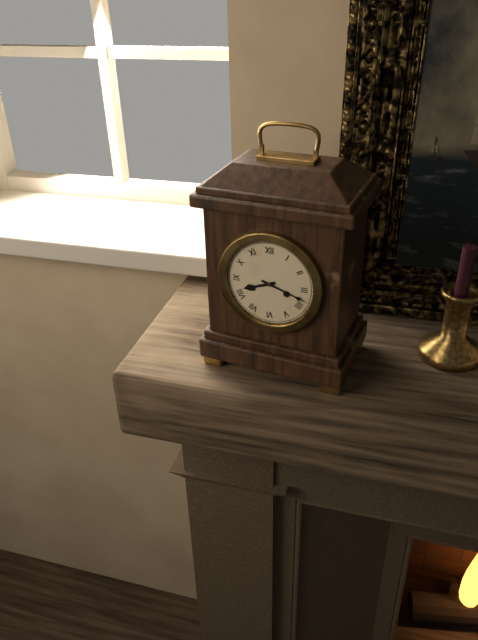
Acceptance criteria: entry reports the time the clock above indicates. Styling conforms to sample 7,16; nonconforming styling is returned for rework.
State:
8,18
